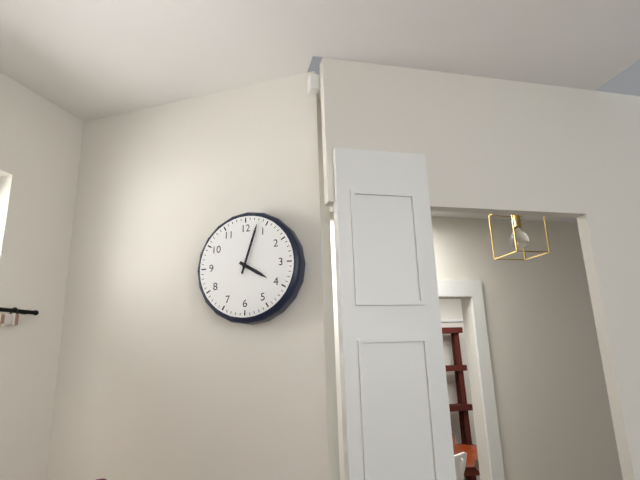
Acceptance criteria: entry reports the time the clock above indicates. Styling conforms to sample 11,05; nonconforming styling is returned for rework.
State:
4,03
